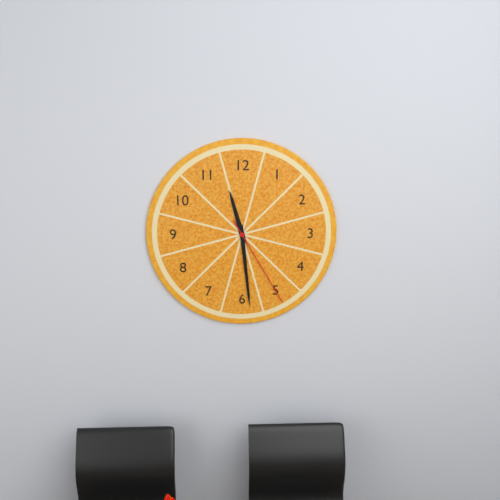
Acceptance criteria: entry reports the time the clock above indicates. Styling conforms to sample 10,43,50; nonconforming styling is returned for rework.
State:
11,29,25
